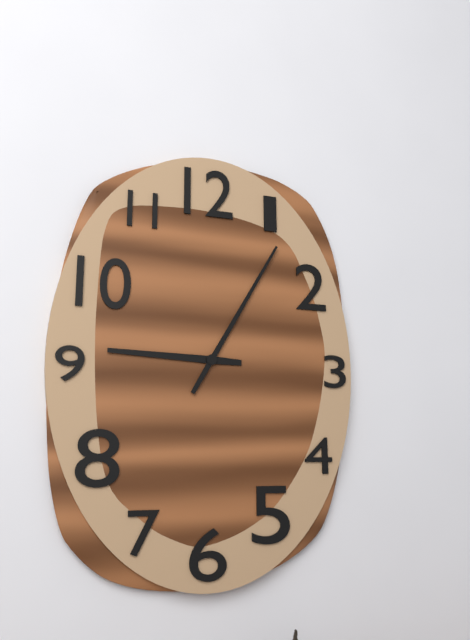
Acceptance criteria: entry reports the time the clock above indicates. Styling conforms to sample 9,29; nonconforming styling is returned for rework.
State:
9,05
